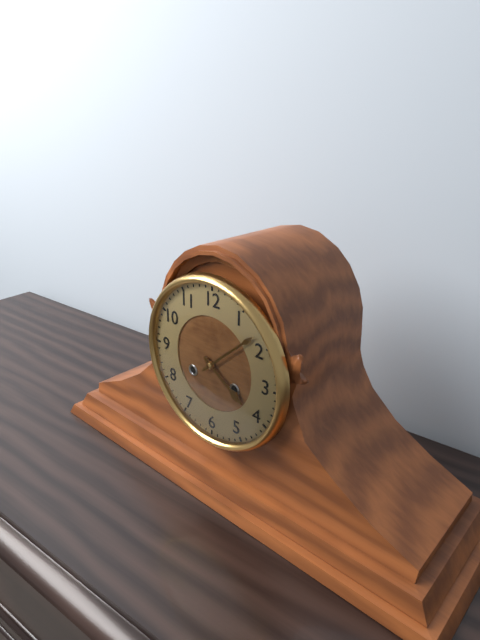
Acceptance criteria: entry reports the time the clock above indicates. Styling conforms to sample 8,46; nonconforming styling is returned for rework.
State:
4,08
